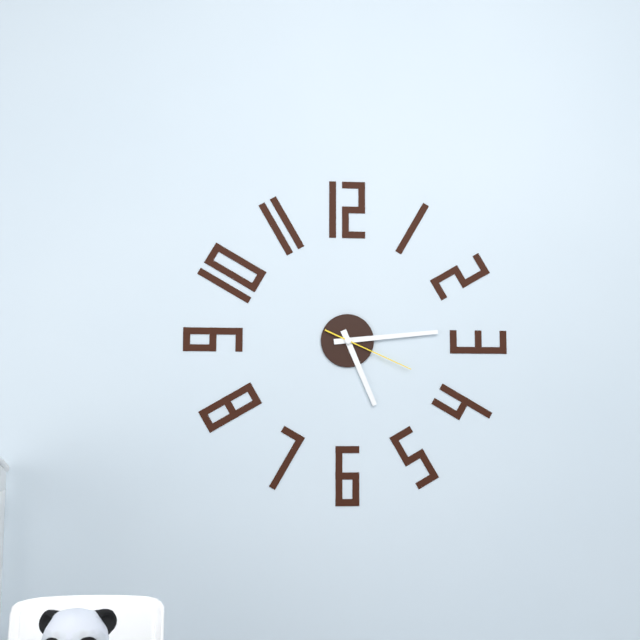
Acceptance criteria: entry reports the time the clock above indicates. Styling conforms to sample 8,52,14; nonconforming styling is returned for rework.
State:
5,14,19
